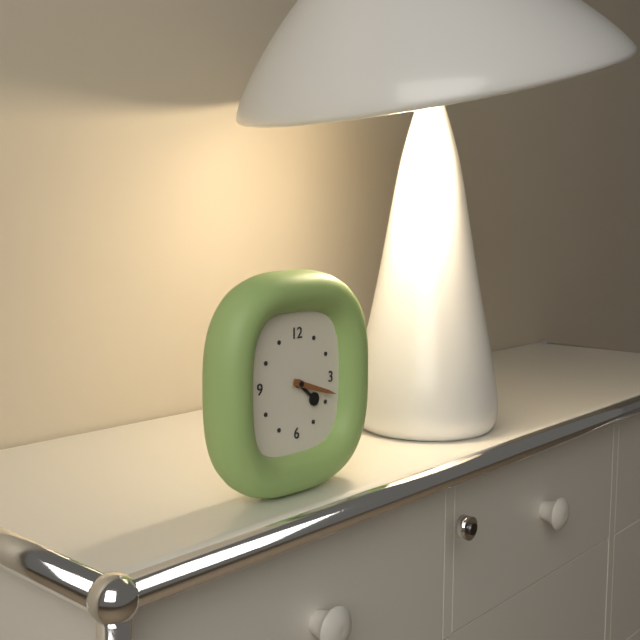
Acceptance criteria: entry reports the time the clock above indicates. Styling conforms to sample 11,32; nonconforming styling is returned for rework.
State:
4,18
